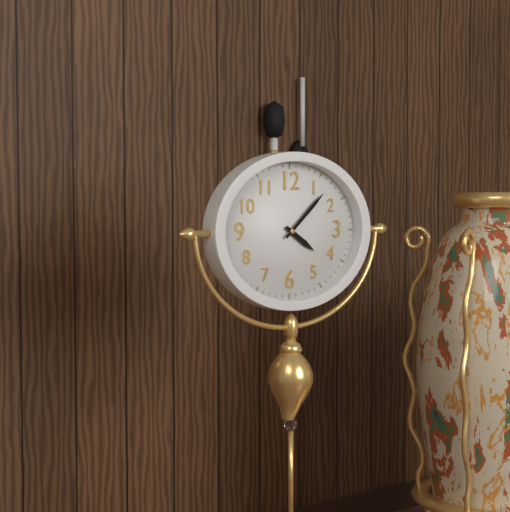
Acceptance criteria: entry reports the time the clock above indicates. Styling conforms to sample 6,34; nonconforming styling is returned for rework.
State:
4,08
